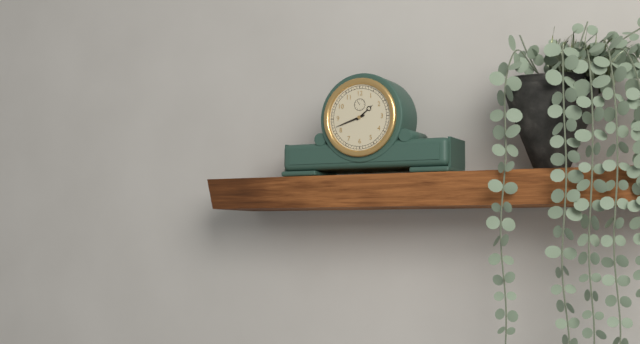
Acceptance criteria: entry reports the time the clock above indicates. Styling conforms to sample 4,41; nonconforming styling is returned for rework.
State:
1,42
